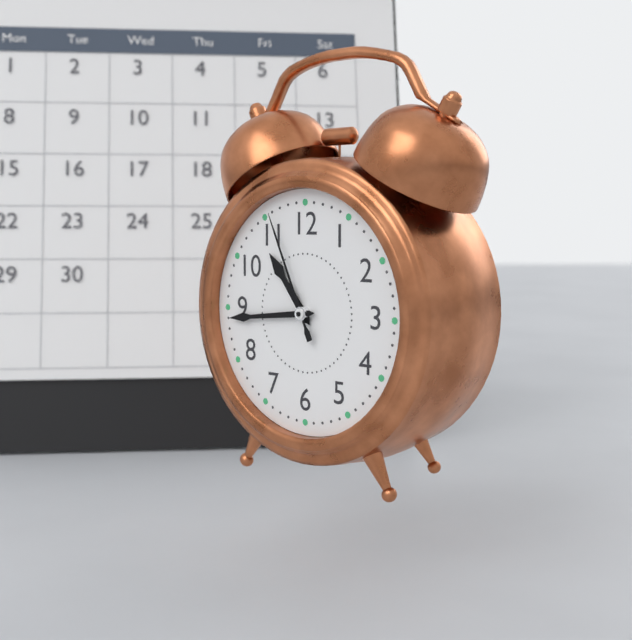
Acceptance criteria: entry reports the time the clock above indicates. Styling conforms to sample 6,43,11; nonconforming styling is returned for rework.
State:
10,44,56
